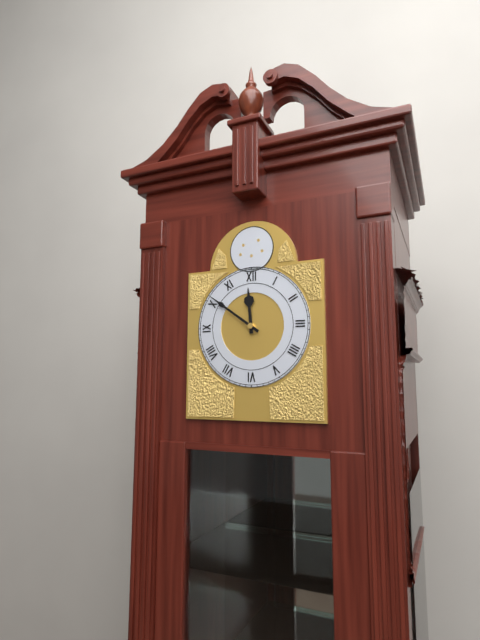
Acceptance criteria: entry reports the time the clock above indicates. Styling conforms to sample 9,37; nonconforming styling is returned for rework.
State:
11,51
